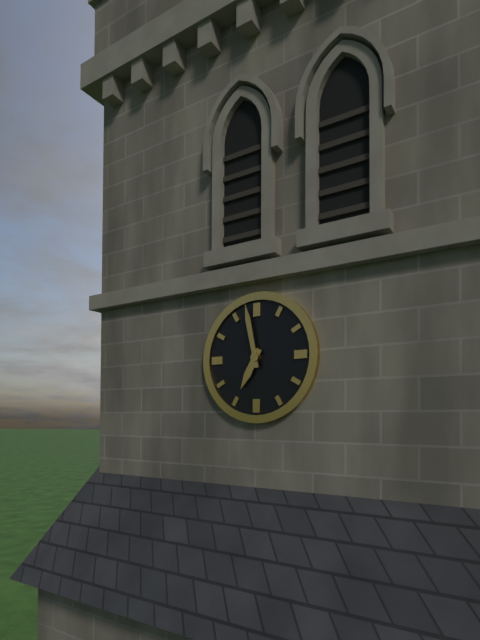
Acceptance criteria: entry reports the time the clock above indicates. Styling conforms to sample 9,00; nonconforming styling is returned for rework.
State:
6,58
